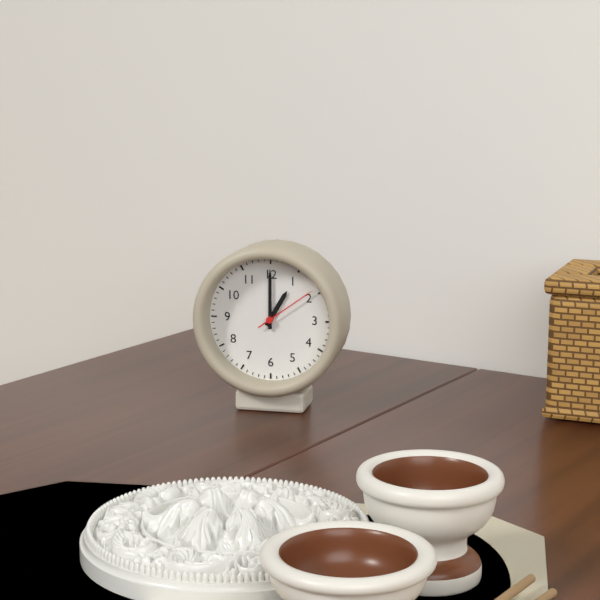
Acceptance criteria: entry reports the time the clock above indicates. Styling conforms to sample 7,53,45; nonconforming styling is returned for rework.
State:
1,00,09
